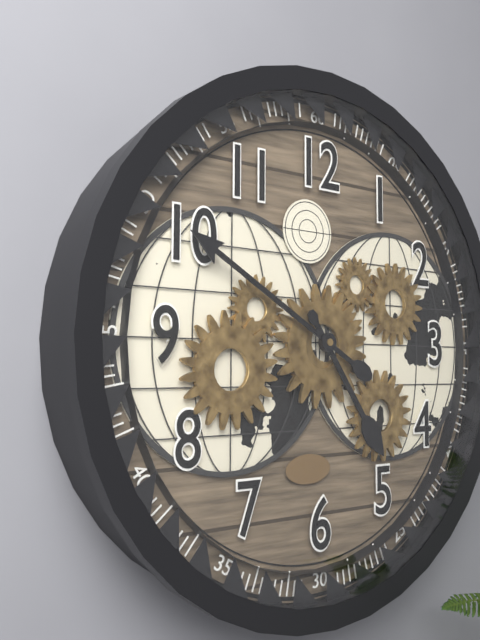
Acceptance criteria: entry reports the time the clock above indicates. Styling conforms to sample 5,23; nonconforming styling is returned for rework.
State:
4,50
